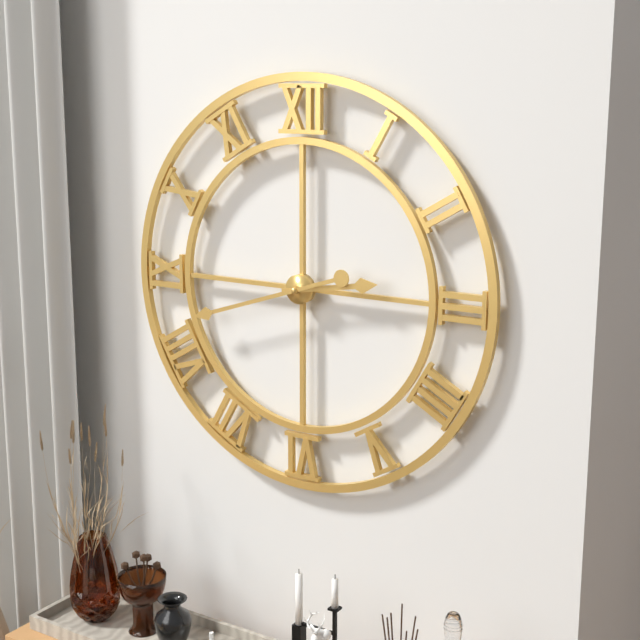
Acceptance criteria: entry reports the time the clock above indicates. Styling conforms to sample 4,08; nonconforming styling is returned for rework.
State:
2,42
